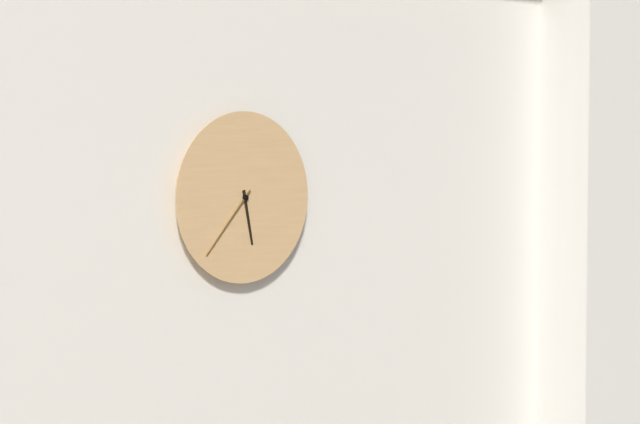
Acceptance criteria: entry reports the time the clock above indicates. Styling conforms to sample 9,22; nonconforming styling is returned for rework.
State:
5,37
